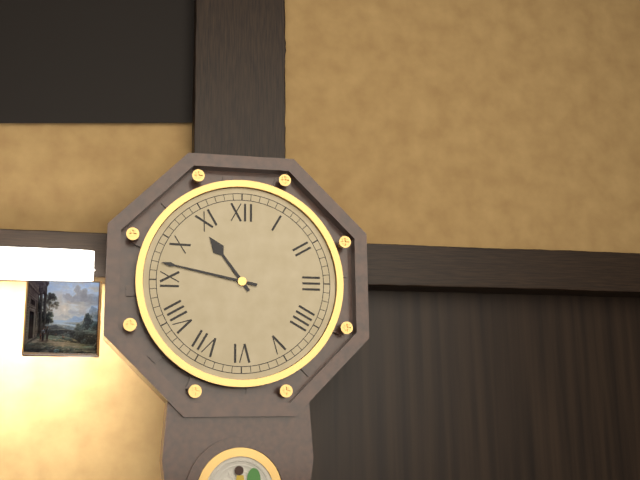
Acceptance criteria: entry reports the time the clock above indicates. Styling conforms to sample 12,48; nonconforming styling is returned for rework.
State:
10,47
